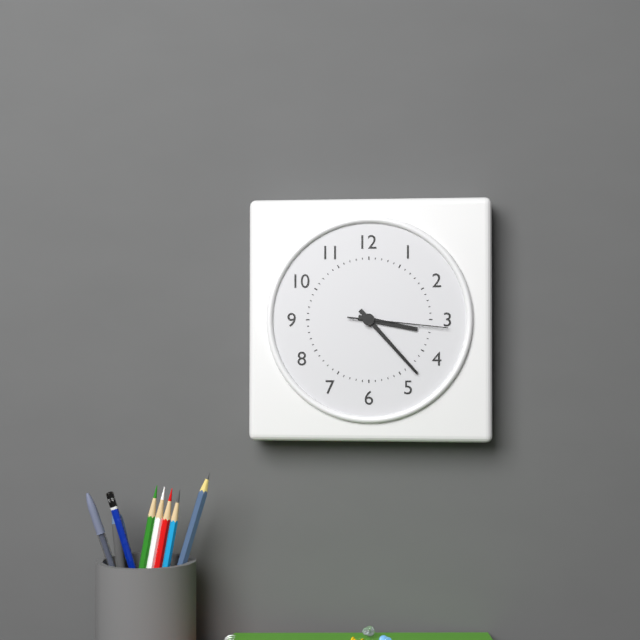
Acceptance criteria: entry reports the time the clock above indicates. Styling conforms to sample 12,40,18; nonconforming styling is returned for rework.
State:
3,23,16
